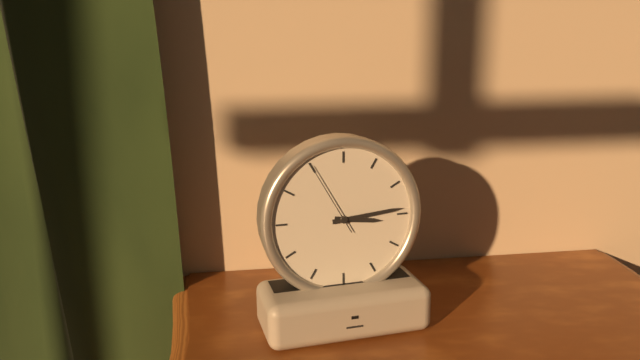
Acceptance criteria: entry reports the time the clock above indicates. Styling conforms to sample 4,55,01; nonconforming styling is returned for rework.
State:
3,14,55
